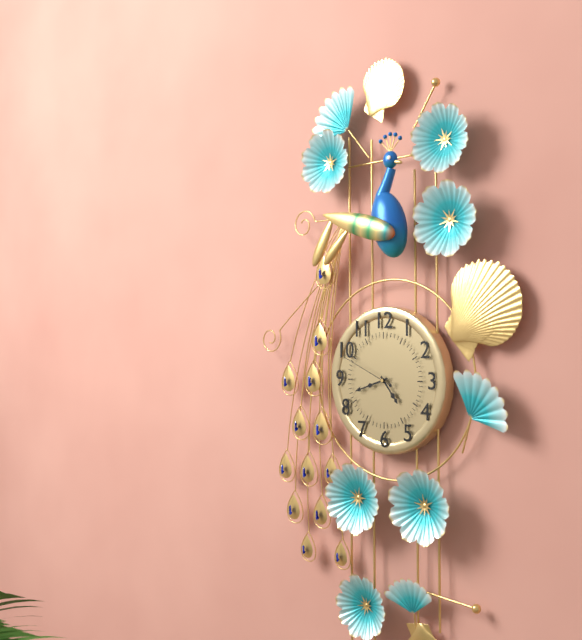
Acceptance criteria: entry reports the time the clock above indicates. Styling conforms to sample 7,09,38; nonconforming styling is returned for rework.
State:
4,42,49
